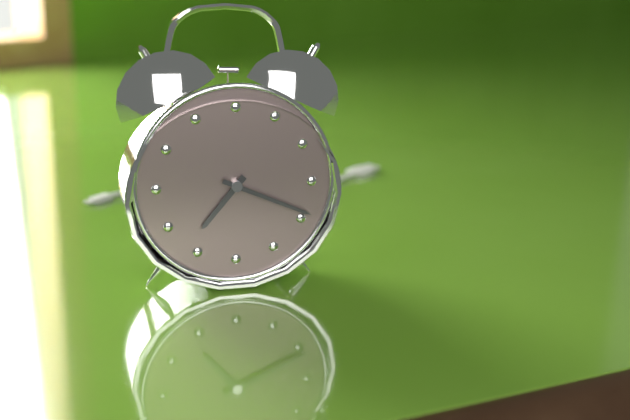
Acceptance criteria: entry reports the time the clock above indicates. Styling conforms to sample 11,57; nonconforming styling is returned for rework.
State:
7,19
